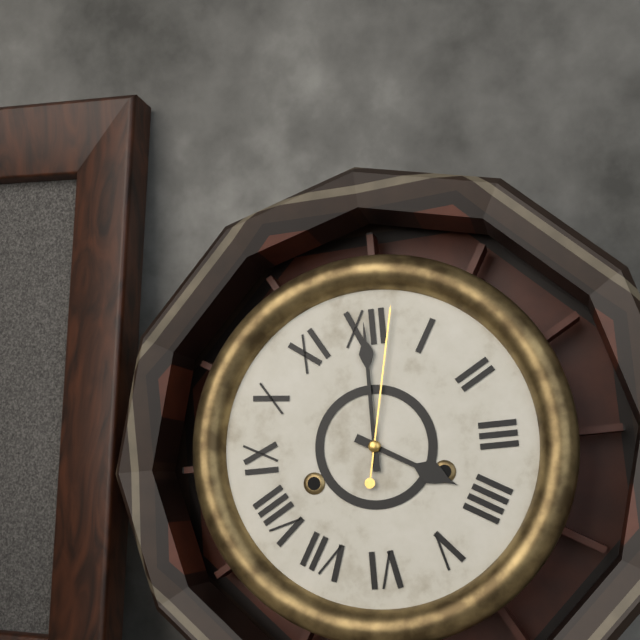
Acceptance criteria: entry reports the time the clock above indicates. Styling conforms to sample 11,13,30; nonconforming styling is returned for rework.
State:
4,00,02
